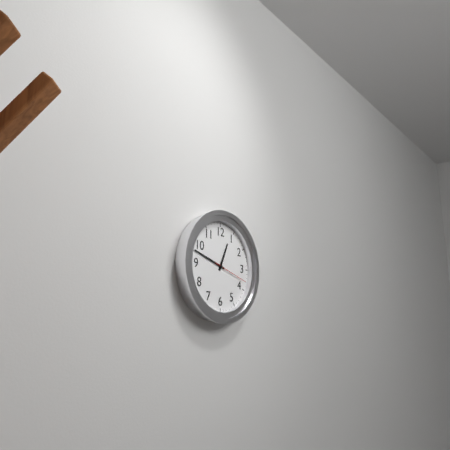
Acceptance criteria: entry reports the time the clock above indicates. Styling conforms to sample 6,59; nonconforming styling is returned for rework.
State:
12,48
